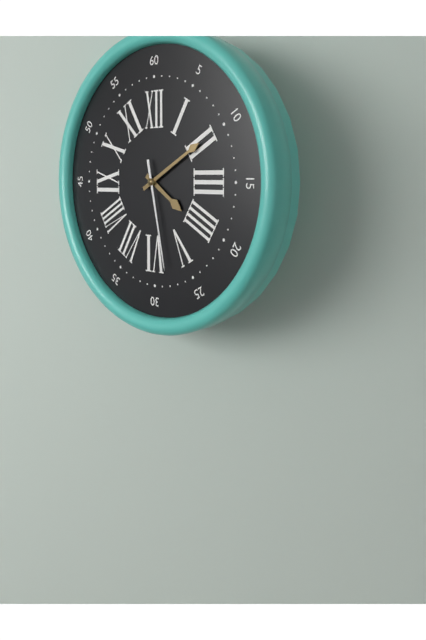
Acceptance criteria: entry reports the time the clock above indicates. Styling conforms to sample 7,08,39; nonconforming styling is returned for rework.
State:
4,10,28
